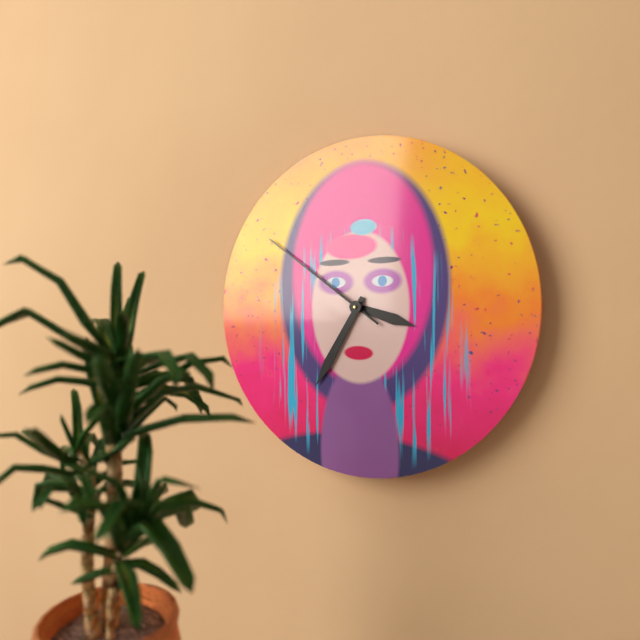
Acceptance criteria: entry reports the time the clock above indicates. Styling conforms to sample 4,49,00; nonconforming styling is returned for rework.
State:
3,35,51
